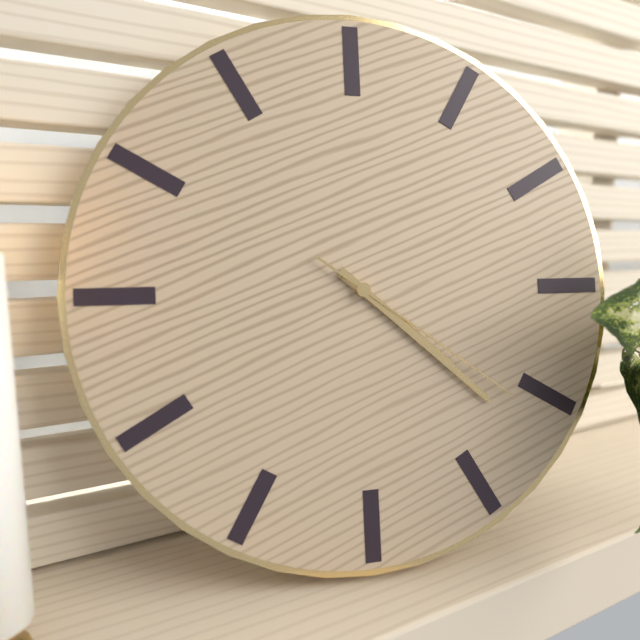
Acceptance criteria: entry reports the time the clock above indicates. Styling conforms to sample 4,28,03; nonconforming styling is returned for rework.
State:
4,22,21
